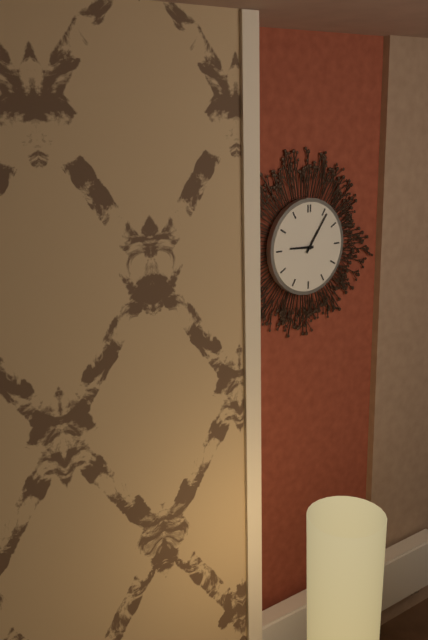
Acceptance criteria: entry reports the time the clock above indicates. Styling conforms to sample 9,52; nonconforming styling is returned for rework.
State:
9,06
